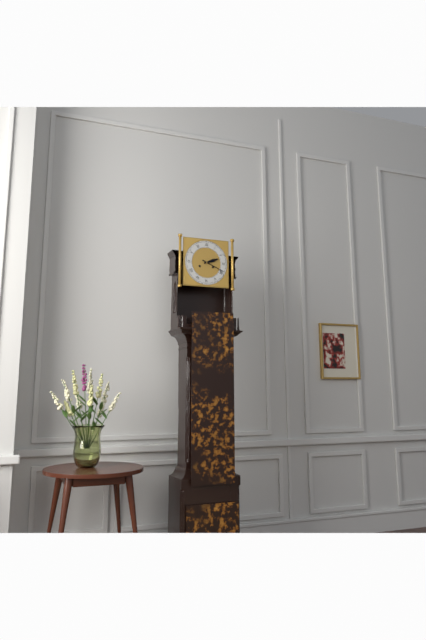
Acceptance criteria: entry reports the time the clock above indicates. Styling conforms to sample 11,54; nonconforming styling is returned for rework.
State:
2,19
